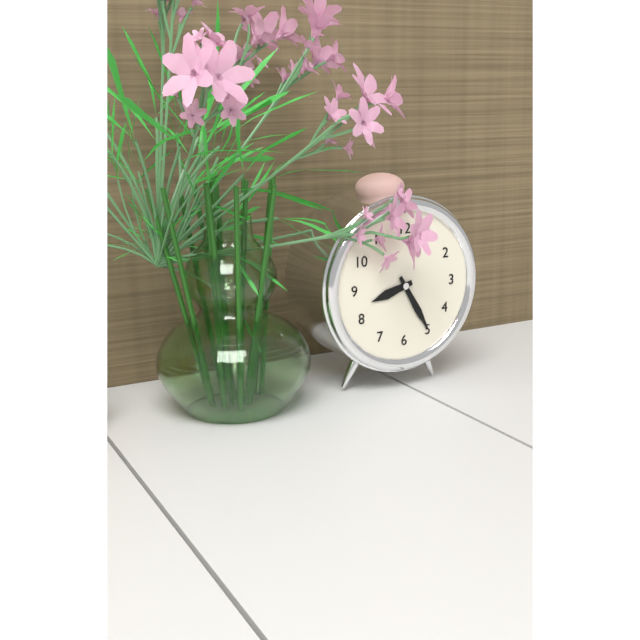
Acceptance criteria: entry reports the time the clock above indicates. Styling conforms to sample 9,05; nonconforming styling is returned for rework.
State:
8,25
